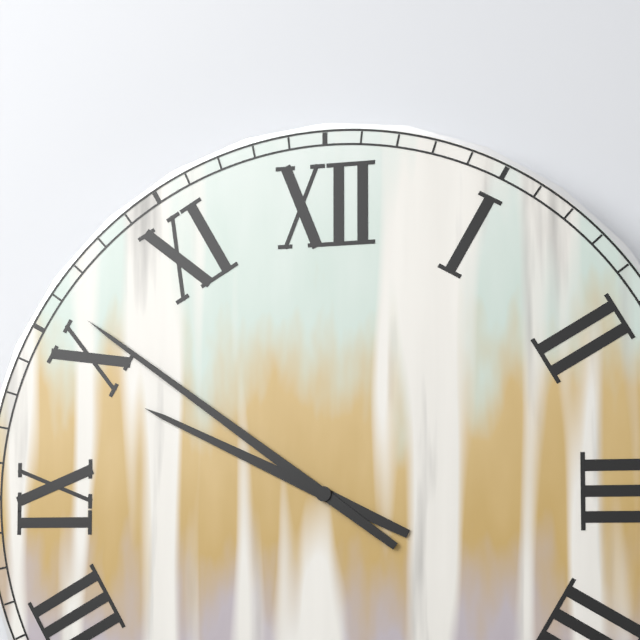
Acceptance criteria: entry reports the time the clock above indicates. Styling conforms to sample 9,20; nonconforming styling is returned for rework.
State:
9,51
